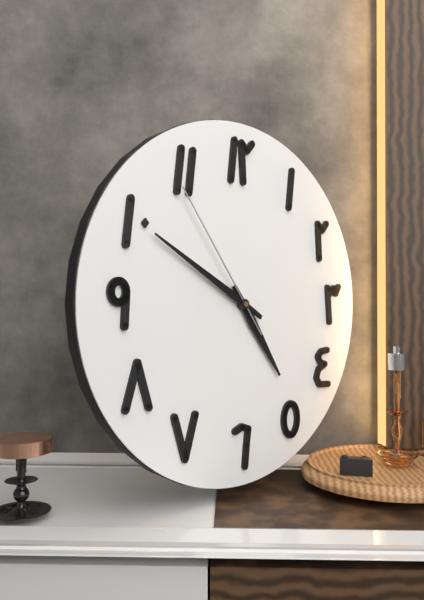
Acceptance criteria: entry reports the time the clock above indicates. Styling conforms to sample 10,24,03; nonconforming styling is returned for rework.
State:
4,50,54
